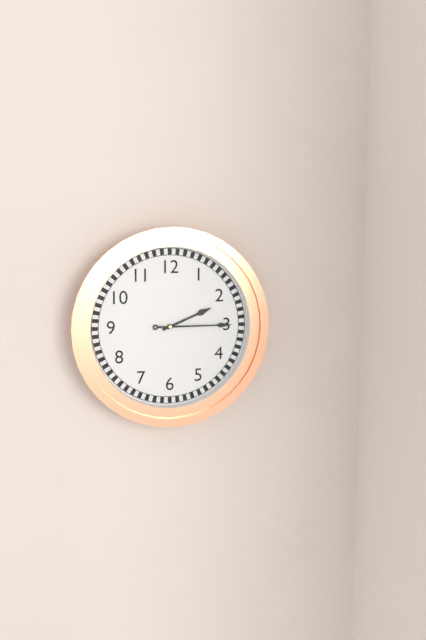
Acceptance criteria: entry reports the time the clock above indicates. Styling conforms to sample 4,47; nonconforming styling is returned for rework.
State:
2,15
